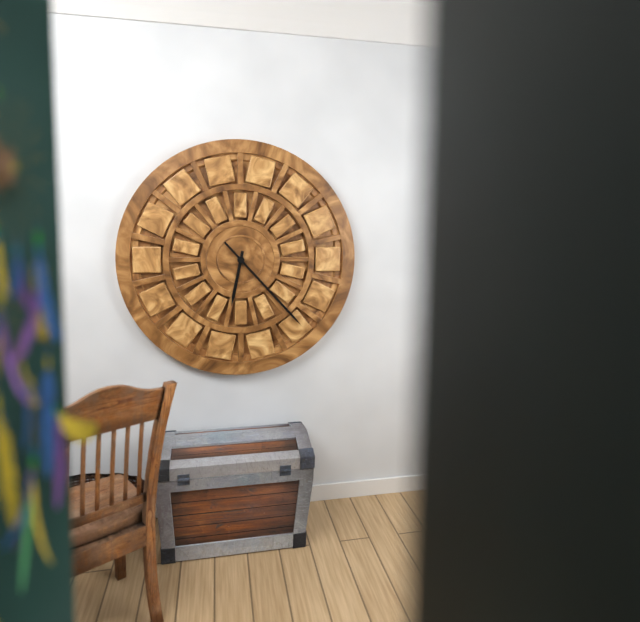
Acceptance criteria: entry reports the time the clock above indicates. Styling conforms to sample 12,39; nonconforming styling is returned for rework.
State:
6,23
